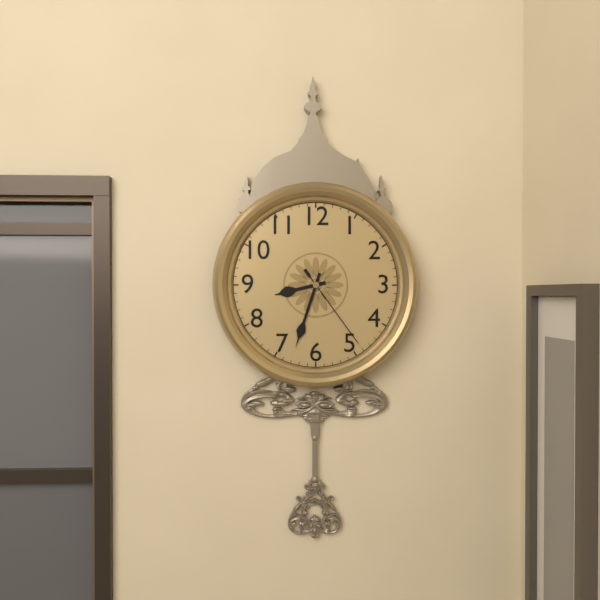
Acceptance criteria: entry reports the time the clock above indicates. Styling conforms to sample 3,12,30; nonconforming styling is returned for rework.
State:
8,33,24
